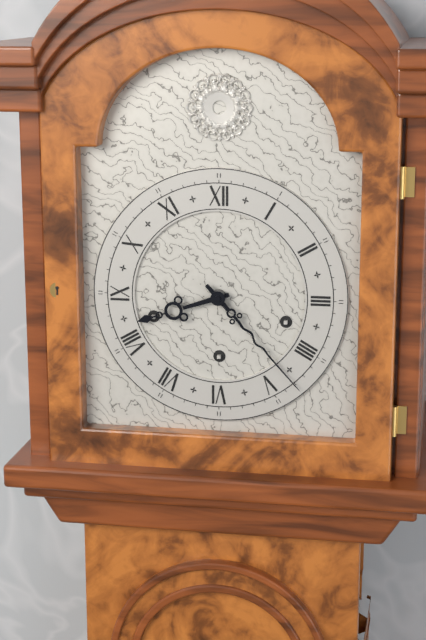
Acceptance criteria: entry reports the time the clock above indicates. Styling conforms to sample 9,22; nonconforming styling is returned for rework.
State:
8,23
